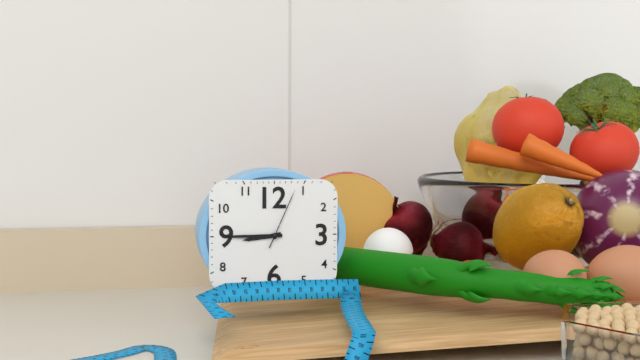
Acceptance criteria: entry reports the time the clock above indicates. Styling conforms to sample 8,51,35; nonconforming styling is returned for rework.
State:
8,45,04
